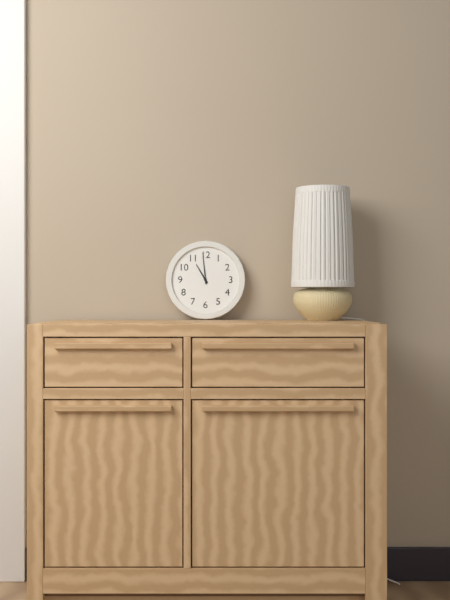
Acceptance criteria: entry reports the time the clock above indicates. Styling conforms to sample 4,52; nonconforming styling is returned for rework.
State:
10,59
